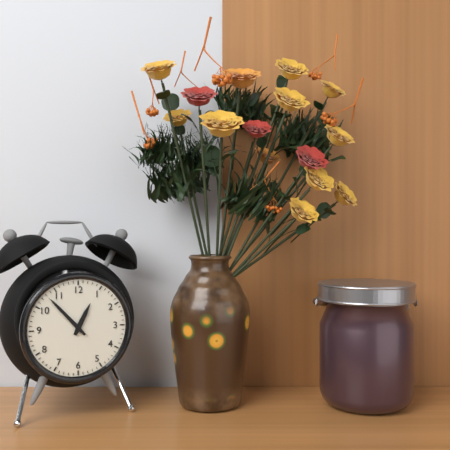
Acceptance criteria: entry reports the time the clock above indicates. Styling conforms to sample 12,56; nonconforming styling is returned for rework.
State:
12,53
